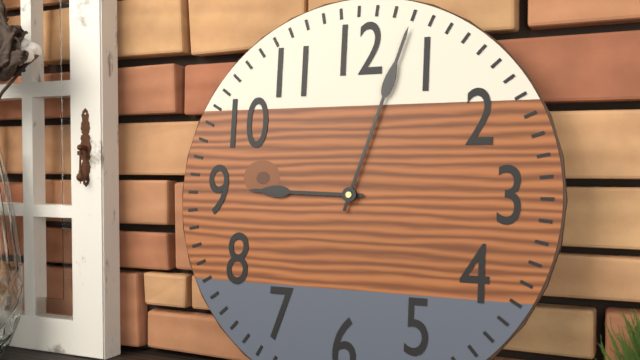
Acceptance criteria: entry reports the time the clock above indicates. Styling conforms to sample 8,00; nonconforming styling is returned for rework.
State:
9,03
